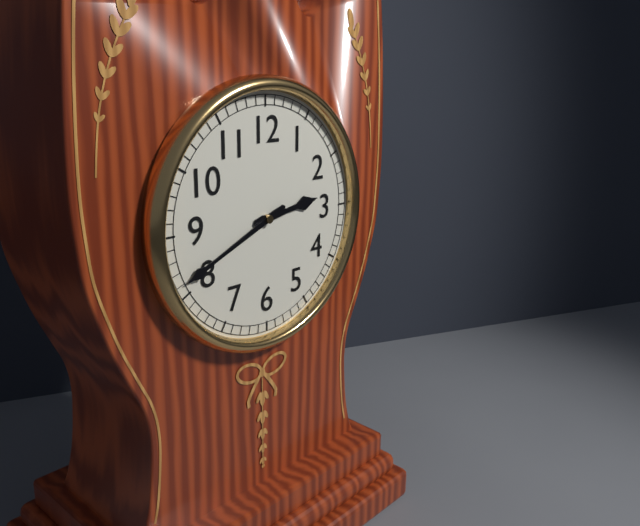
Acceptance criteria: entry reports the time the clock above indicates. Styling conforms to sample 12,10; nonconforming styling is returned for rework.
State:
2,41
